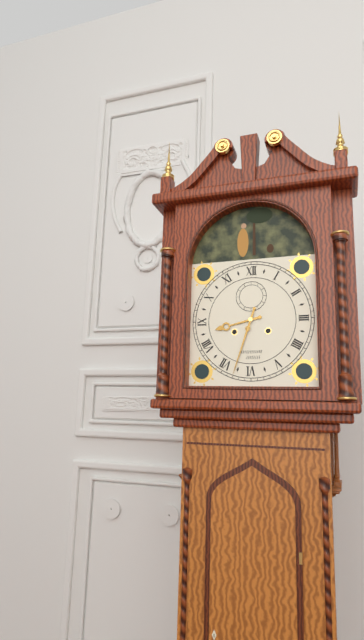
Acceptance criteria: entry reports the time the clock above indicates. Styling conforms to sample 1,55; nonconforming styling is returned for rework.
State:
8,33
